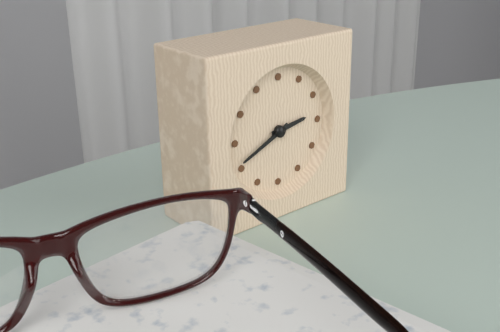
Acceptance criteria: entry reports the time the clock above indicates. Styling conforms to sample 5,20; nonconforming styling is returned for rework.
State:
2,41
